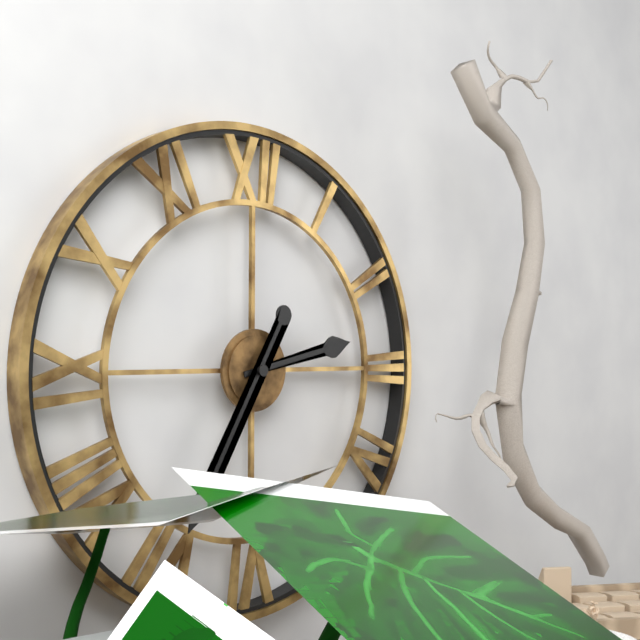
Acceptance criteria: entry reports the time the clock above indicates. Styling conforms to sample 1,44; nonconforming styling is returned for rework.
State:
2,35
